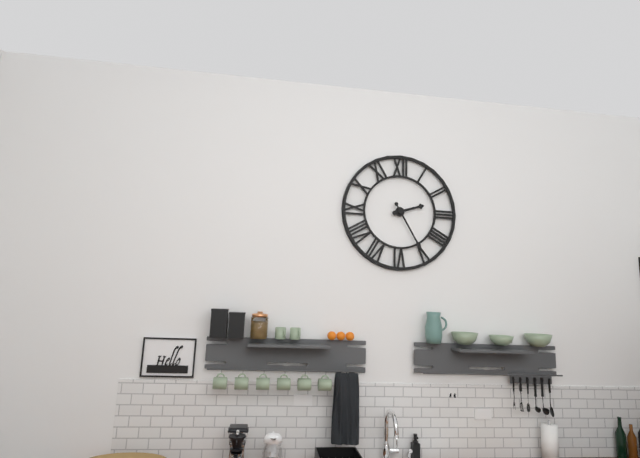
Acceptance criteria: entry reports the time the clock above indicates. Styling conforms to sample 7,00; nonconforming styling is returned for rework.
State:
2,25
